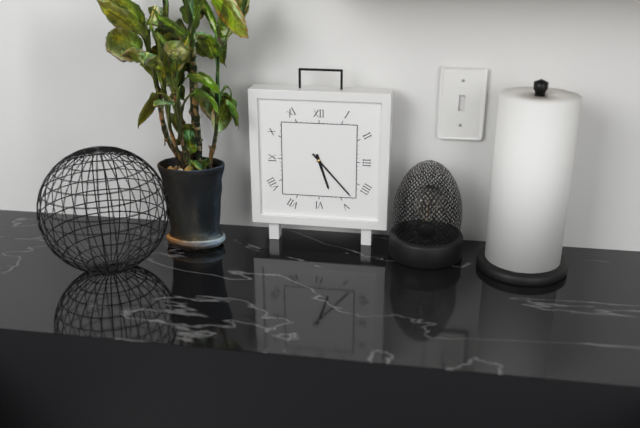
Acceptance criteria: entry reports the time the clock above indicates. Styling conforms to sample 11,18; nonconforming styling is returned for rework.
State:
5,23
